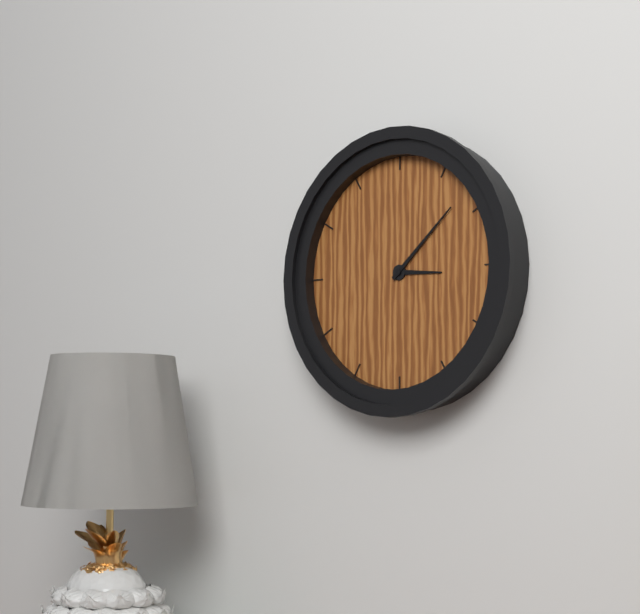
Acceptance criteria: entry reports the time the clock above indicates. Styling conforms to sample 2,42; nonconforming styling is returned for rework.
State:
3,08
